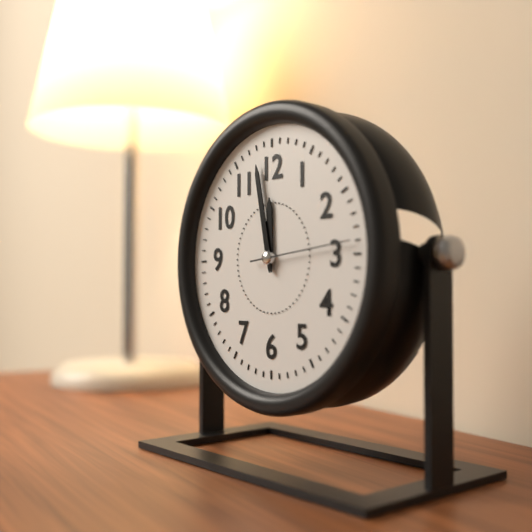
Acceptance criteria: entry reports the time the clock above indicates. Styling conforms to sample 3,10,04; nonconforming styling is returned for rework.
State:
11,58,14
